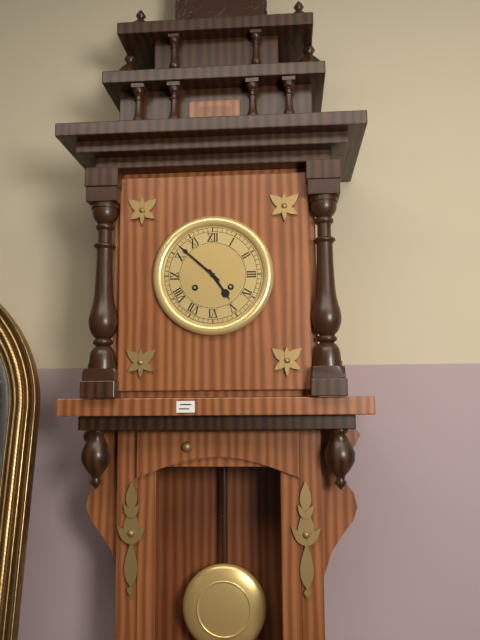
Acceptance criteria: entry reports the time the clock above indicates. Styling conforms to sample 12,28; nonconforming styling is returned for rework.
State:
4,52
